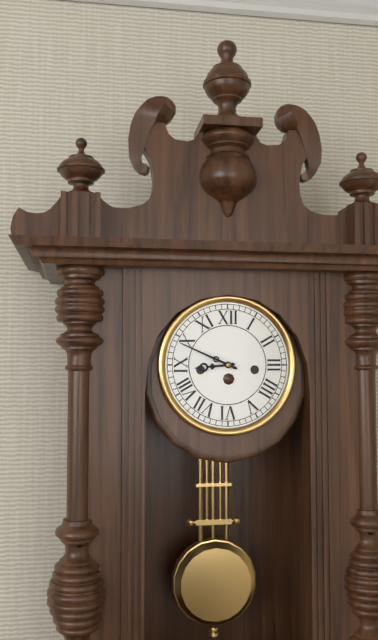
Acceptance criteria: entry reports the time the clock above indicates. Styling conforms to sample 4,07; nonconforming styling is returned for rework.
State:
8,49
